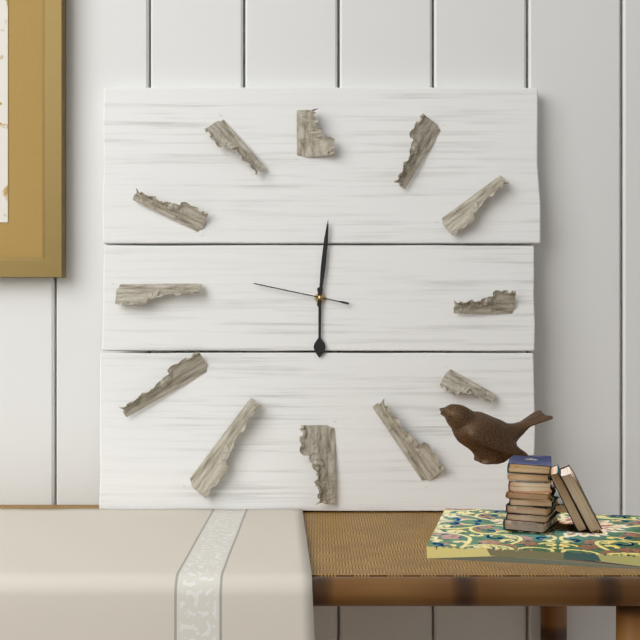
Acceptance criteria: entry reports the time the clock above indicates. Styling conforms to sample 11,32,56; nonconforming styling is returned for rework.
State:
6,01,47
